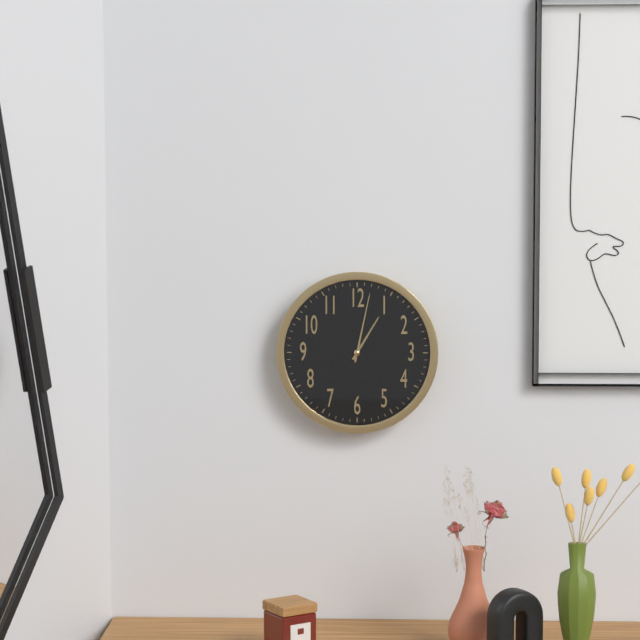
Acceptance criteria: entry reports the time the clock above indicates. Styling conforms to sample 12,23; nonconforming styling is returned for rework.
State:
1,02
